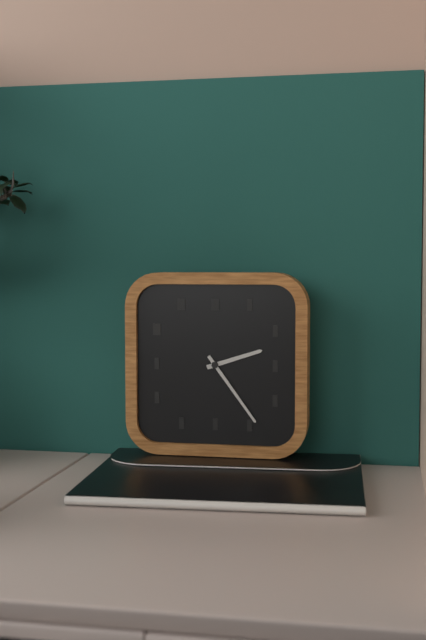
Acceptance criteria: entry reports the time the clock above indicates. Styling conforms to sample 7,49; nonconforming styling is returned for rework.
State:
2,24
